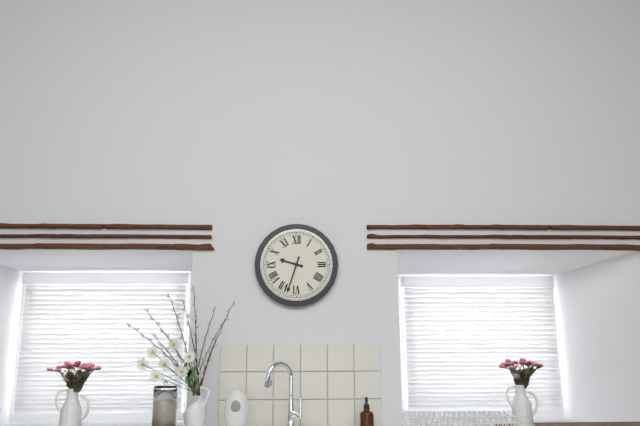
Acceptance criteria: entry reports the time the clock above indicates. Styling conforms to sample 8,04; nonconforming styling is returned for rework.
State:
9,33
